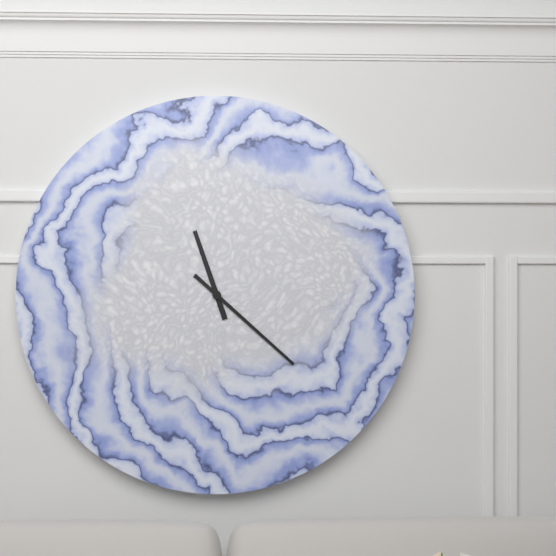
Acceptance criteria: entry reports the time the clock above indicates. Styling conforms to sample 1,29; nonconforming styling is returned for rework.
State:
11,22
